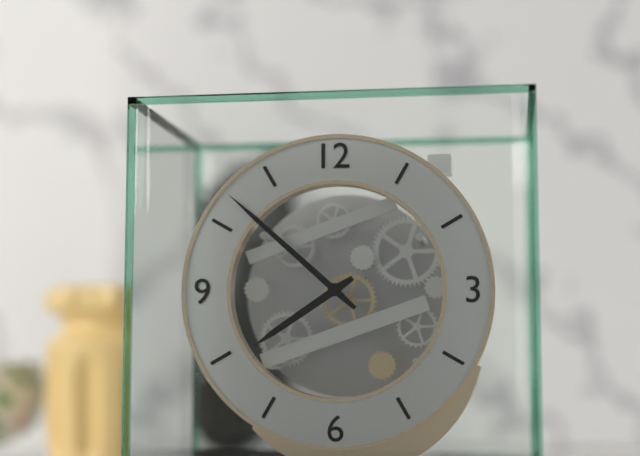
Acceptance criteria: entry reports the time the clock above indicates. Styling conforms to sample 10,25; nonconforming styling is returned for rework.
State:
7,52
